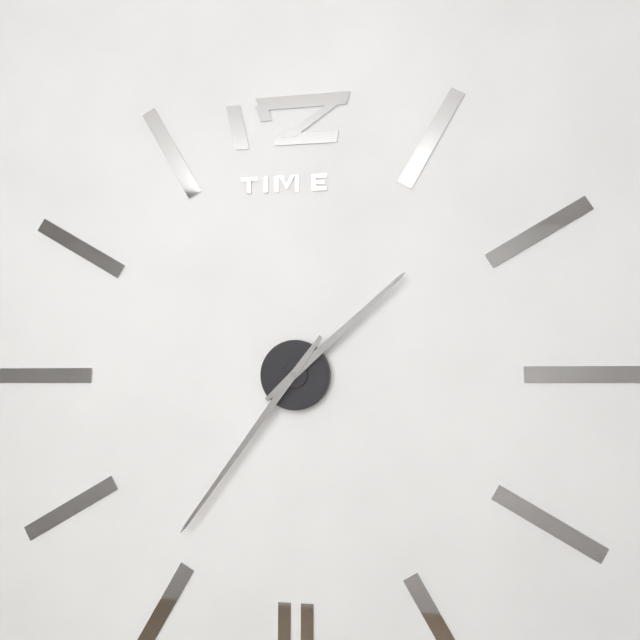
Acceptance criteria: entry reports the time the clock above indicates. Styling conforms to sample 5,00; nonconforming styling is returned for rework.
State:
1,36
